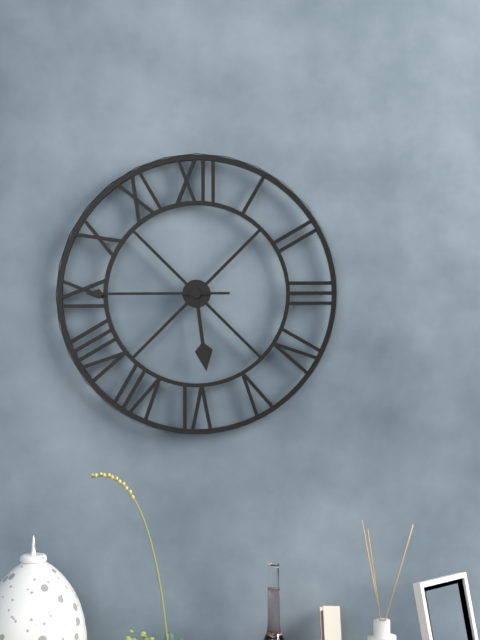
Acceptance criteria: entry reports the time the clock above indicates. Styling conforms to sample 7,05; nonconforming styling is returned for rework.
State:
5,45
